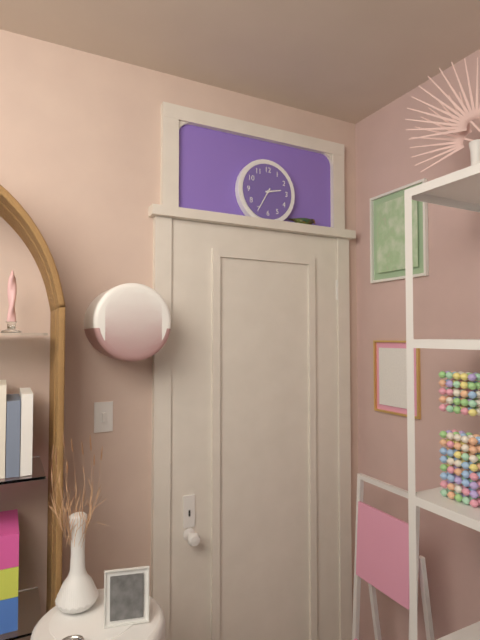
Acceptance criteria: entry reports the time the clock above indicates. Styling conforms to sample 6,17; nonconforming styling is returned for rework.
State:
2,35
